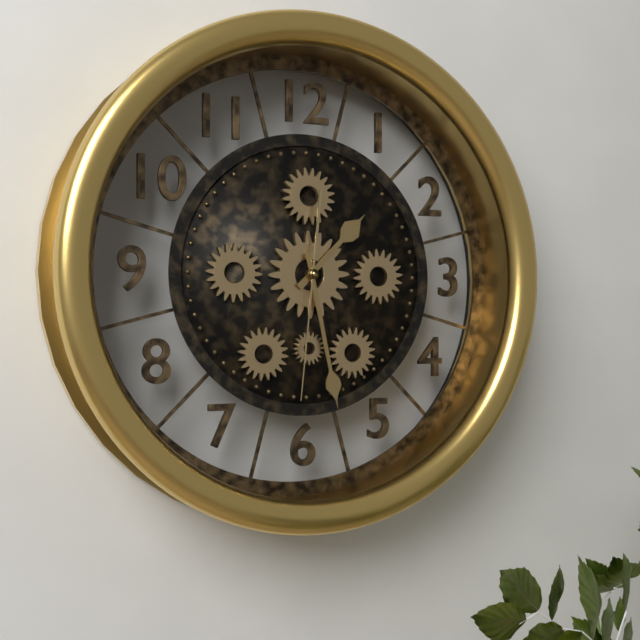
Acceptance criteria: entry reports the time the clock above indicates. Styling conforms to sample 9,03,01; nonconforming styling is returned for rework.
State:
1,28,31
